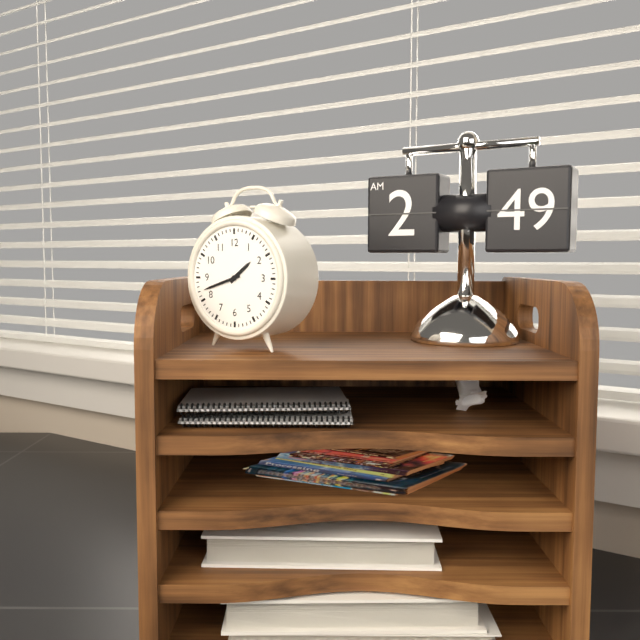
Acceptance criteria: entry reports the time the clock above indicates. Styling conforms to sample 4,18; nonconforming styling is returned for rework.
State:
1,42
